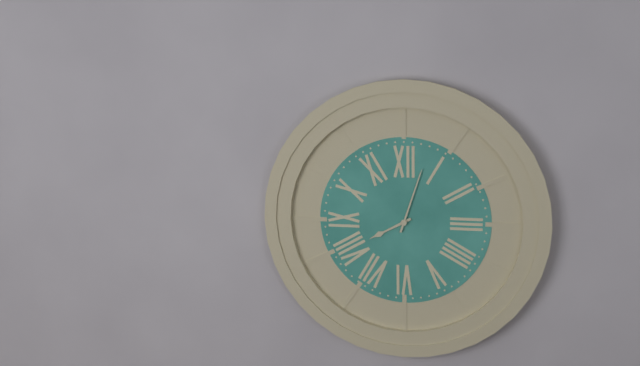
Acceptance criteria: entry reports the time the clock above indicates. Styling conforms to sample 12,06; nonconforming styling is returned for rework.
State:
8,03
